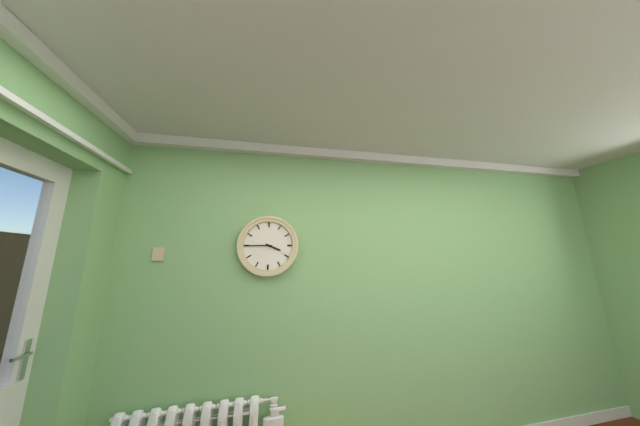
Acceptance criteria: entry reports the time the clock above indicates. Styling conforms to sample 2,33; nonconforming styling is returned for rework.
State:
3,45
